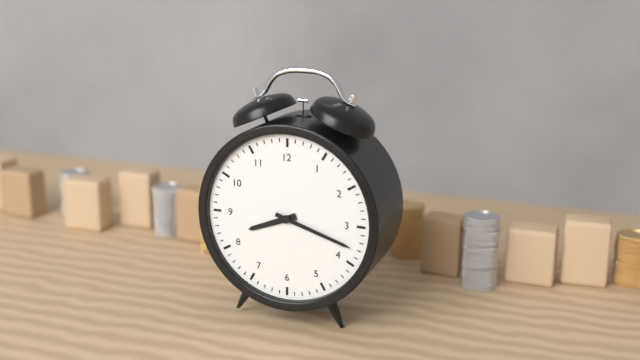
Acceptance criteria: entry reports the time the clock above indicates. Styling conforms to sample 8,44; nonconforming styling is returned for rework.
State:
8,18
